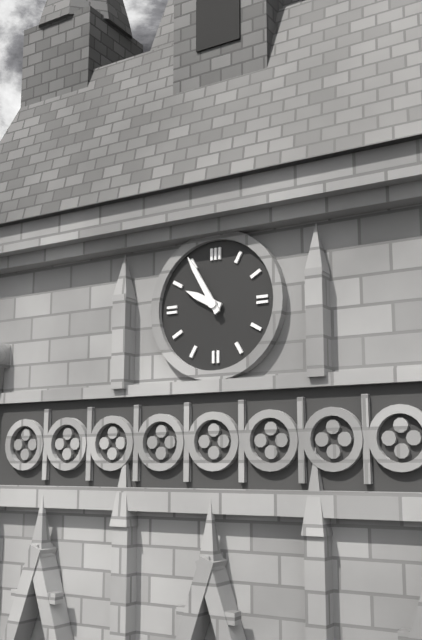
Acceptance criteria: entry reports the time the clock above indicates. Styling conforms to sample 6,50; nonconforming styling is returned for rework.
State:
9,55
